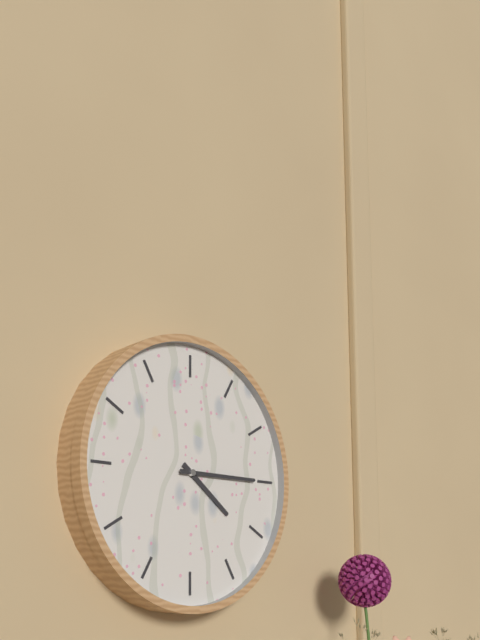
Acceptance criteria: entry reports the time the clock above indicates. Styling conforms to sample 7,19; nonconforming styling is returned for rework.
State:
4,15
